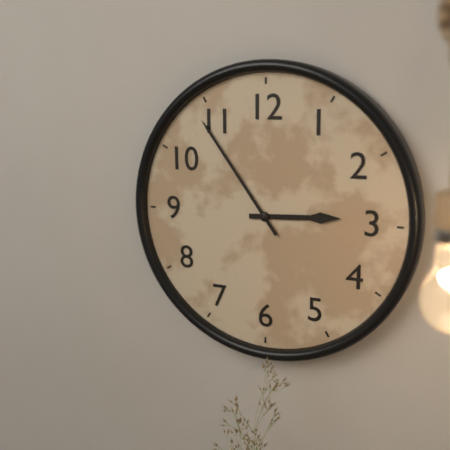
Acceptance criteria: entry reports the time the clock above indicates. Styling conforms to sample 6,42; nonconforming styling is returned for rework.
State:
2,54
